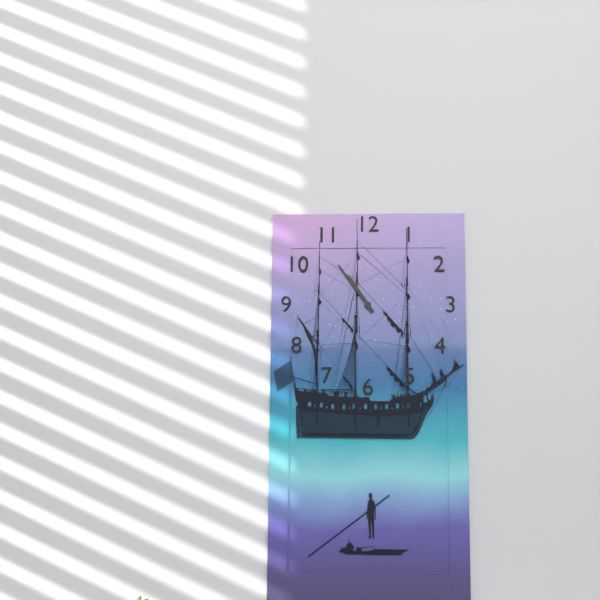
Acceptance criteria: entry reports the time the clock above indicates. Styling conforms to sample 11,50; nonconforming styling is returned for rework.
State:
10,54
